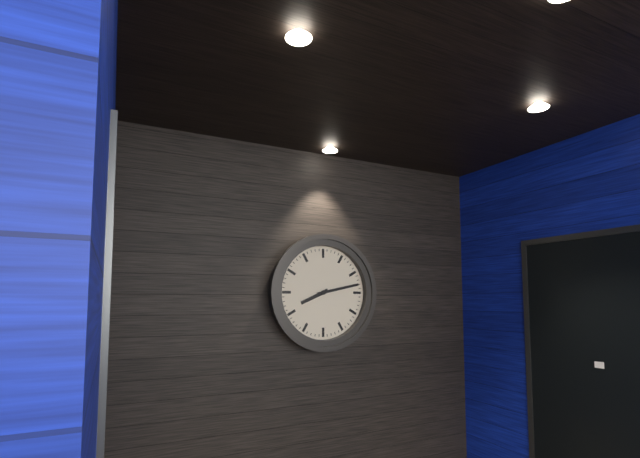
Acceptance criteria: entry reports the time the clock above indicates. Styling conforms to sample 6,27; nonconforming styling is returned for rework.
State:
8,13
